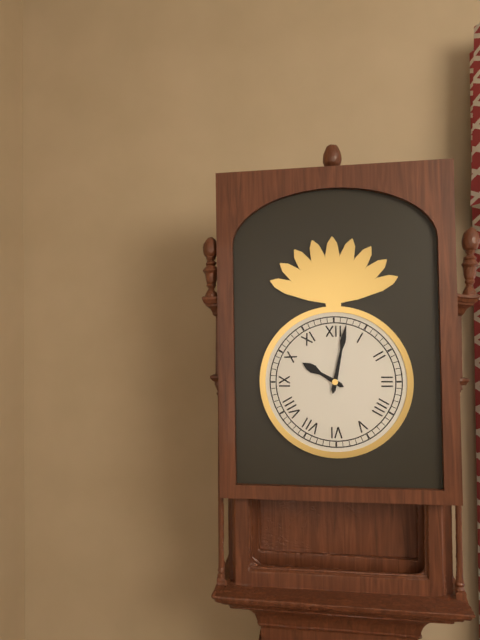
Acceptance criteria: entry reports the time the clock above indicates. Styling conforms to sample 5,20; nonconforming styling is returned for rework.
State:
10,02
